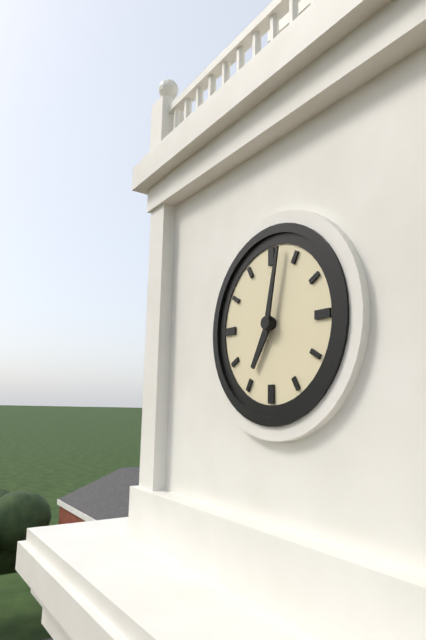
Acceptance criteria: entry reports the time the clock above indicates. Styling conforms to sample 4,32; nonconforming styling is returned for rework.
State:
7,02
